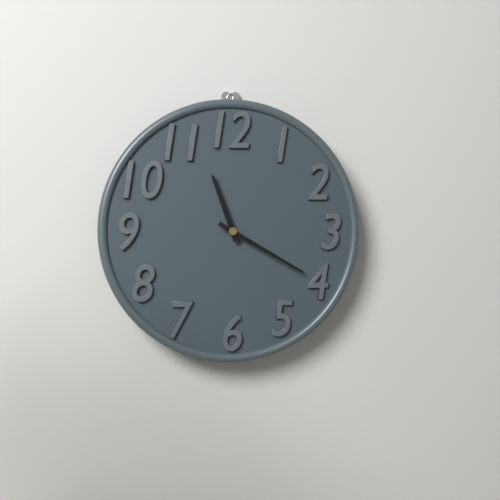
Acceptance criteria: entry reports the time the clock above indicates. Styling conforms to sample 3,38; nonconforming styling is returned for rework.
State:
11,20
